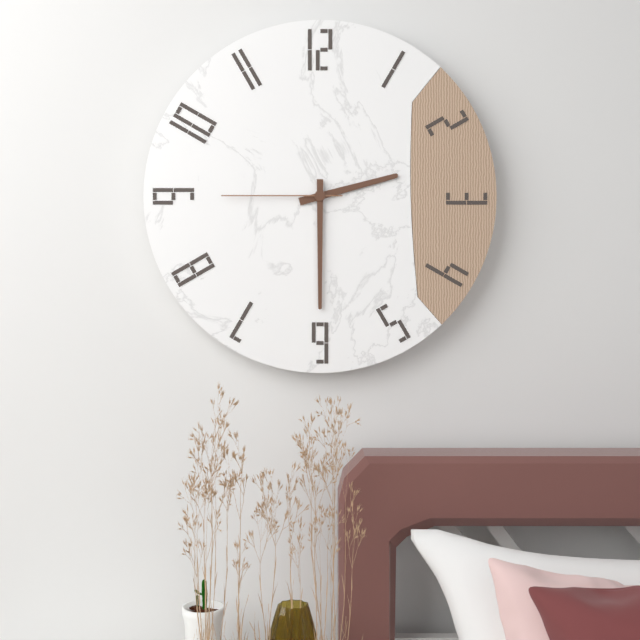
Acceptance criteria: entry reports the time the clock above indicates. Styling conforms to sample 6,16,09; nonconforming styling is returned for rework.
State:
2,30,45
